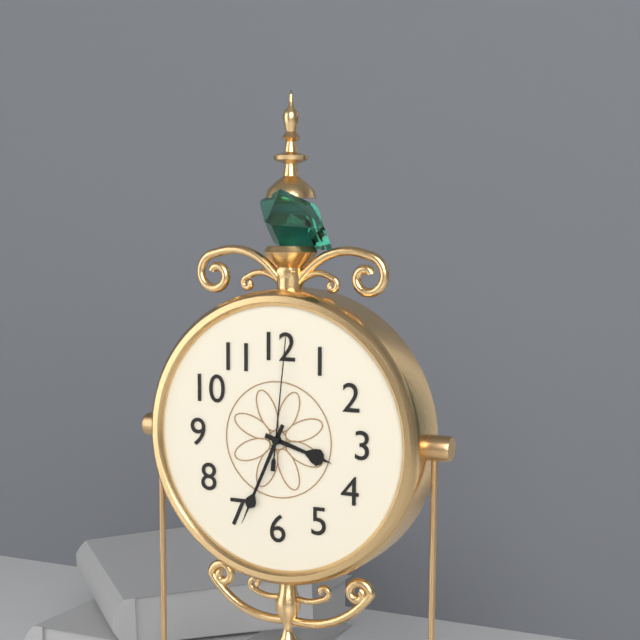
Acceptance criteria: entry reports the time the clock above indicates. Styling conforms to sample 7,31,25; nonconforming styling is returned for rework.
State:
3,34,01
